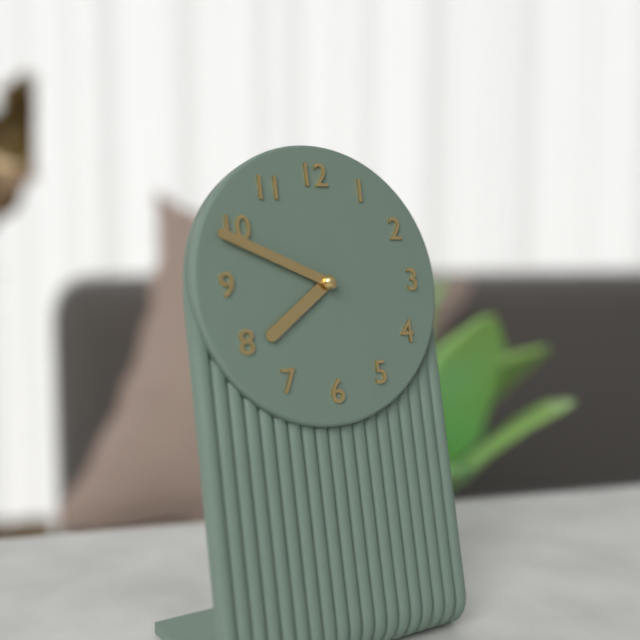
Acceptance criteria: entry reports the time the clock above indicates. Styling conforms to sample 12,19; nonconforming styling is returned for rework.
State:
7,49
